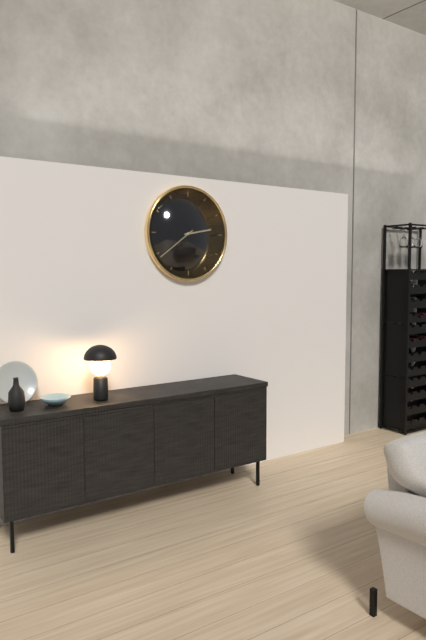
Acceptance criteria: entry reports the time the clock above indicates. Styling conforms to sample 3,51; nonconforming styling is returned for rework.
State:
2,39
